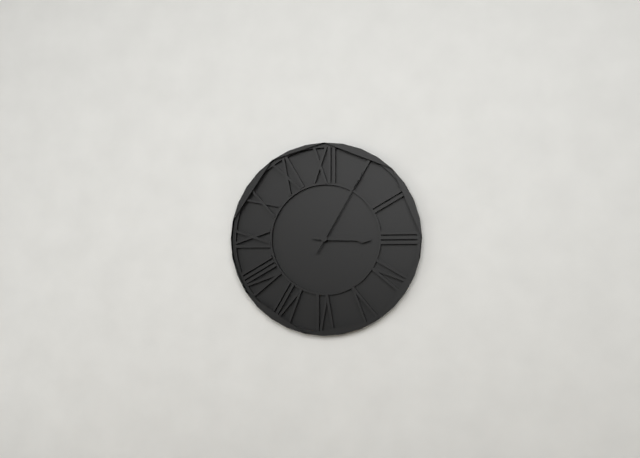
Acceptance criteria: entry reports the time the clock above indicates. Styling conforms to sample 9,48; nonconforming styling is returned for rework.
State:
3,05
